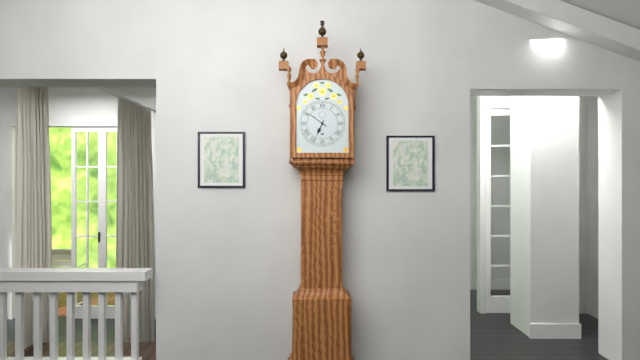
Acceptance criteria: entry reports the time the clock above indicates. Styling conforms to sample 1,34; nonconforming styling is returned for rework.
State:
6,51
